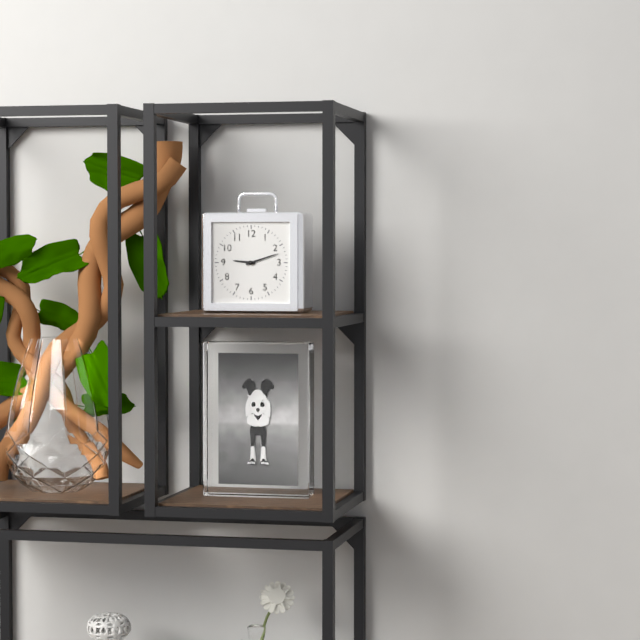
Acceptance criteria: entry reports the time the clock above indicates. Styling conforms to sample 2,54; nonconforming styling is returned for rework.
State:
9,12
